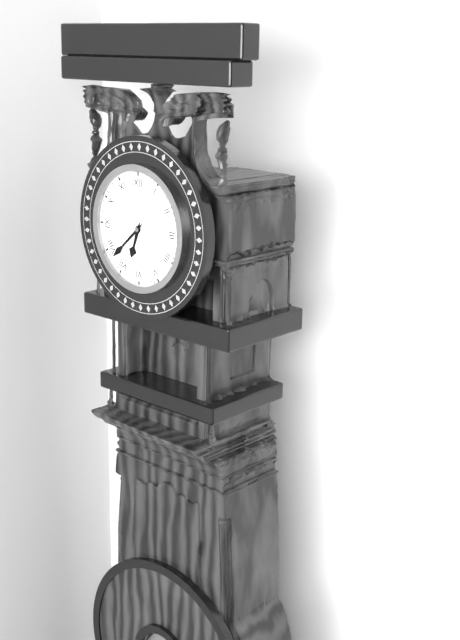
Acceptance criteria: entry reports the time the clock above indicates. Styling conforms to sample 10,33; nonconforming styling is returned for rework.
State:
6,38
